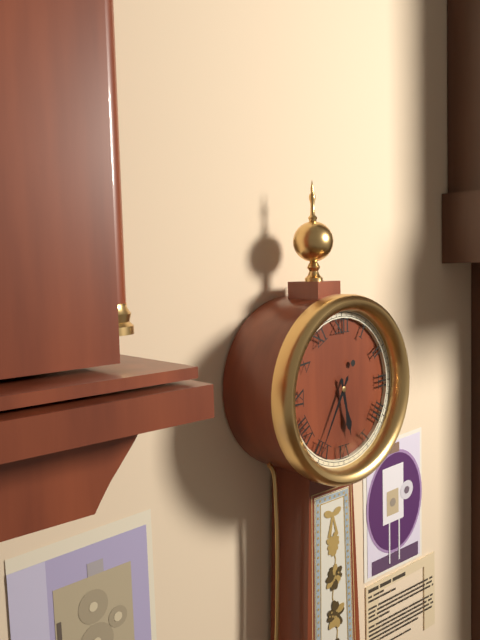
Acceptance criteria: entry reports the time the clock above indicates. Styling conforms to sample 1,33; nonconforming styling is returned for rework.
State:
5,35
